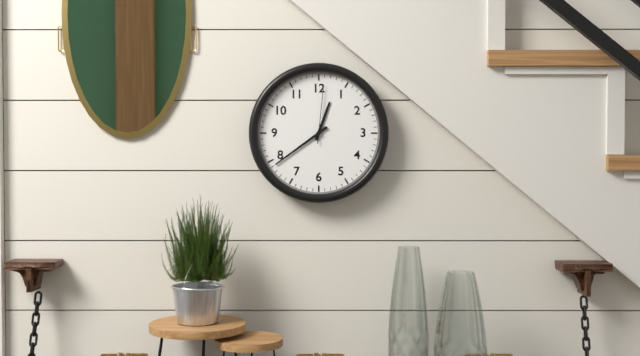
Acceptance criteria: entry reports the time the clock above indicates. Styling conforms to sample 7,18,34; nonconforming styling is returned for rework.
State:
12,39,01
